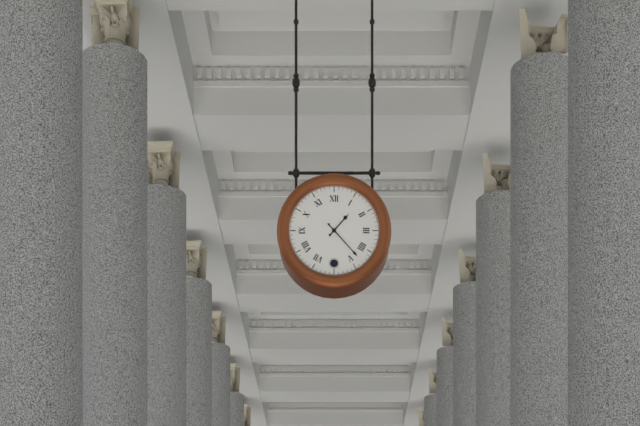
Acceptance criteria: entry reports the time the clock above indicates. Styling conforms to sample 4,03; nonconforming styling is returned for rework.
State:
1,23
